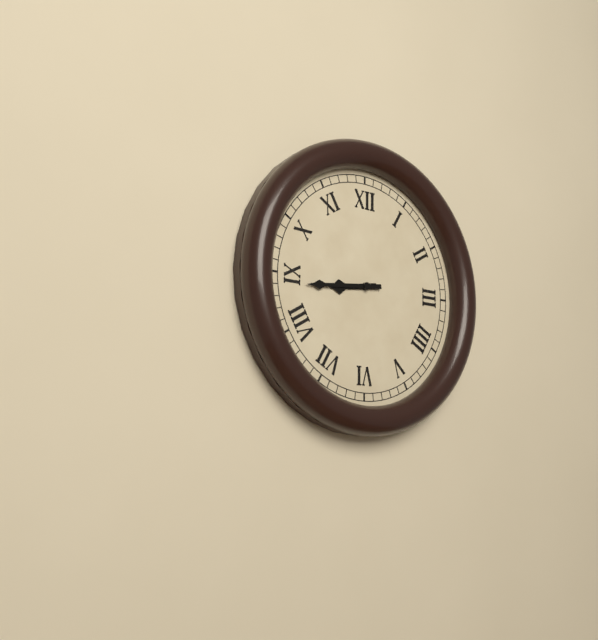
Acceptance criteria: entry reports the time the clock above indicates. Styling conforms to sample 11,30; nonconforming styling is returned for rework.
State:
8,44
